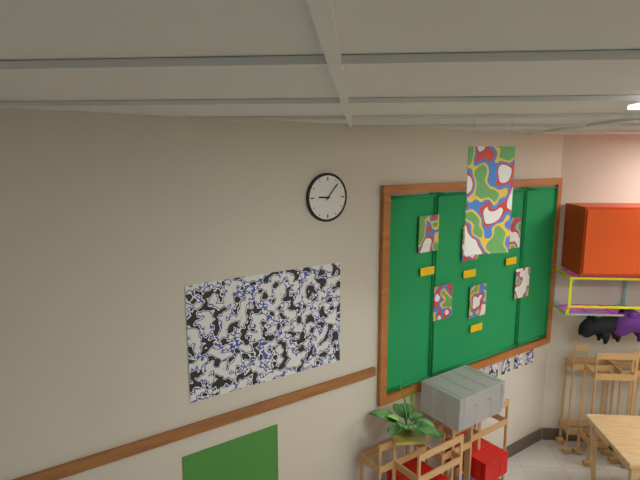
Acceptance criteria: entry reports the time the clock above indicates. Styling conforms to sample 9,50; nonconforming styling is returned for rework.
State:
9,07
